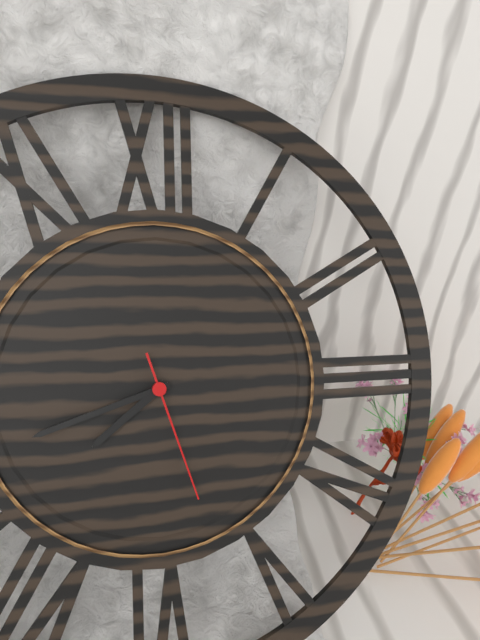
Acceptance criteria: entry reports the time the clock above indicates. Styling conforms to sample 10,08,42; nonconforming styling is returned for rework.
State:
7,42,27
